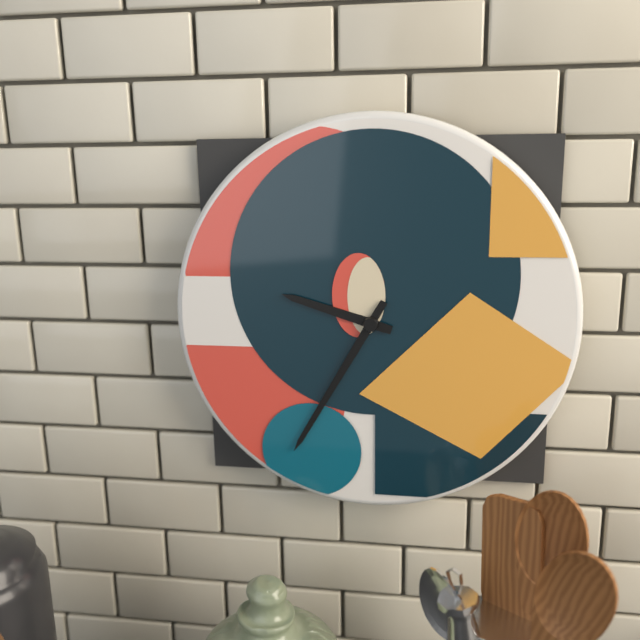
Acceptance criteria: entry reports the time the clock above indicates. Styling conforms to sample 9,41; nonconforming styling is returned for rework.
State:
9,35
